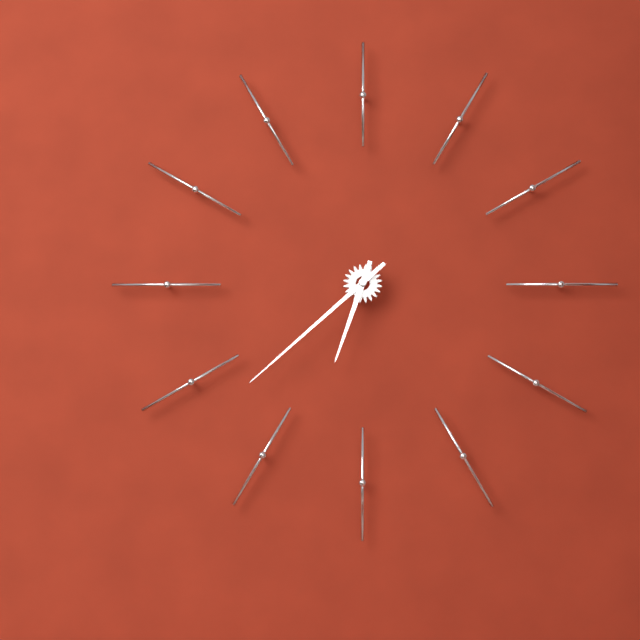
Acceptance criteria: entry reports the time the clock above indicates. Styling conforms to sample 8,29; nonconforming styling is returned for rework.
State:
6,38
